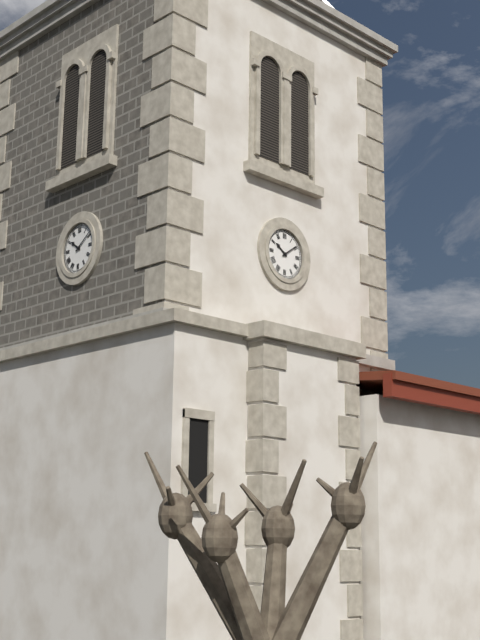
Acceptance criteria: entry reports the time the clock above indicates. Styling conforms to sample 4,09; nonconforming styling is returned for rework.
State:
10,09
